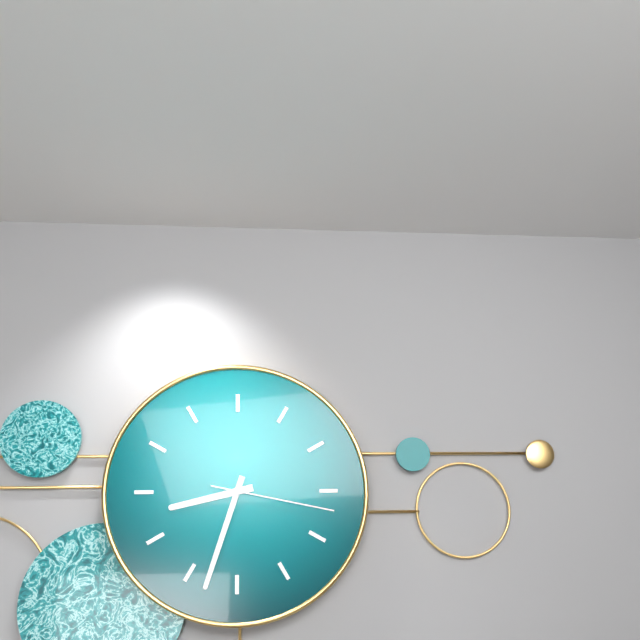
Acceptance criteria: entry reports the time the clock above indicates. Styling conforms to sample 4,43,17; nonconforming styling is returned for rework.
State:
8,33,17
